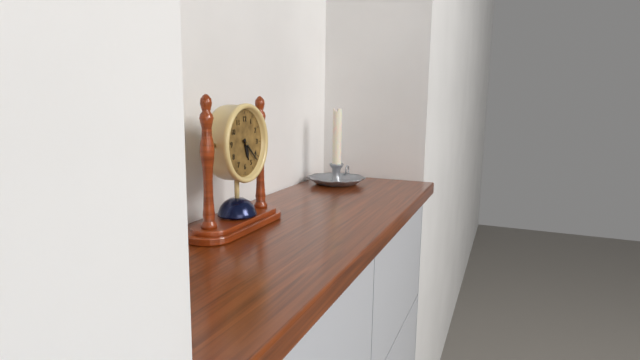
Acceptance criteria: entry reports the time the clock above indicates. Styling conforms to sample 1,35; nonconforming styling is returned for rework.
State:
5,22
